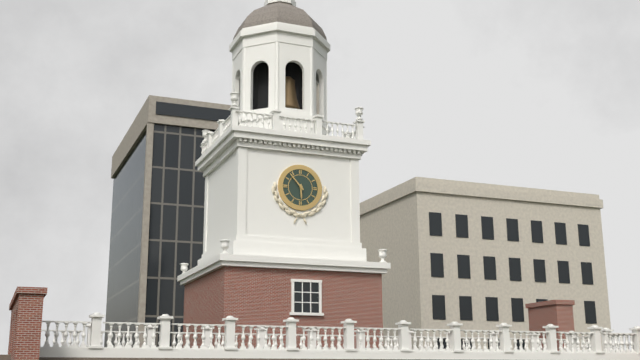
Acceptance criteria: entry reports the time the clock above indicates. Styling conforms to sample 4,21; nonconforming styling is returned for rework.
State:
5,53
